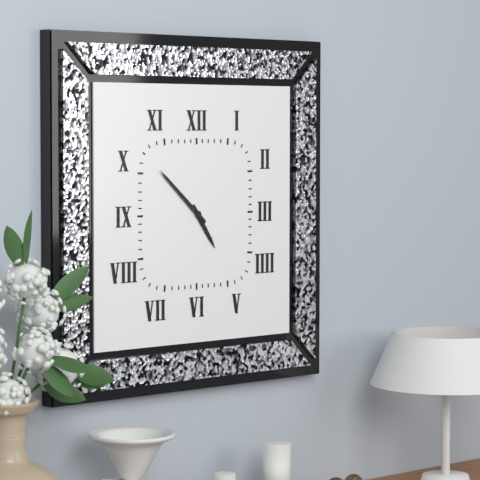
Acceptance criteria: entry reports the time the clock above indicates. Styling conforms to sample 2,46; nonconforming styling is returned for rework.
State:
4,52
